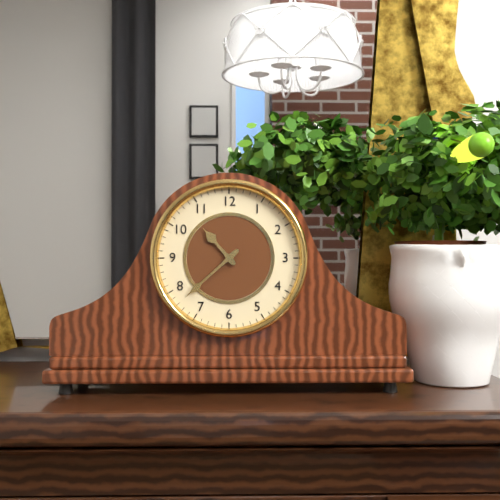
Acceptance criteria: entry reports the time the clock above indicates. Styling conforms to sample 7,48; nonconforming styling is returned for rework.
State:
10,38
